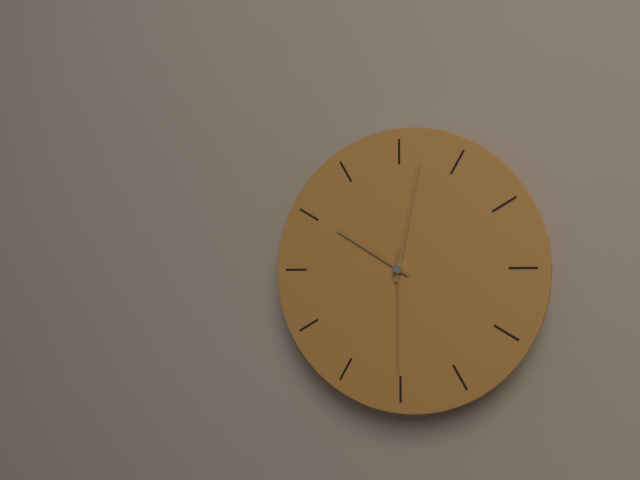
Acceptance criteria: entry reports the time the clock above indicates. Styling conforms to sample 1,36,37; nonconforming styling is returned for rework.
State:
10,02,30
